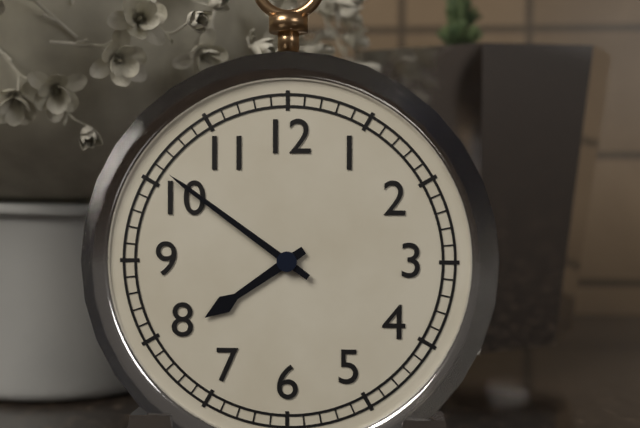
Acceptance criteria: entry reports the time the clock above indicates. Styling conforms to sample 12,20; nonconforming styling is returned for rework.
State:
7,51
